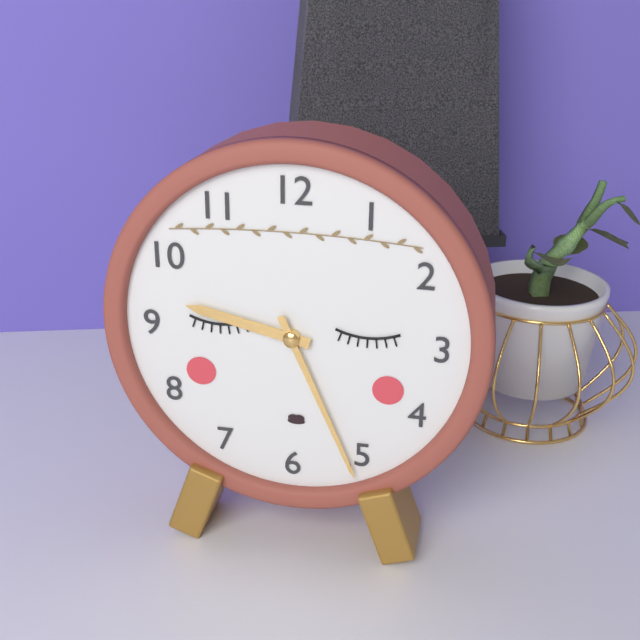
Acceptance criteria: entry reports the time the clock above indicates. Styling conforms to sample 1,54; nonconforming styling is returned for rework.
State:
9,26
